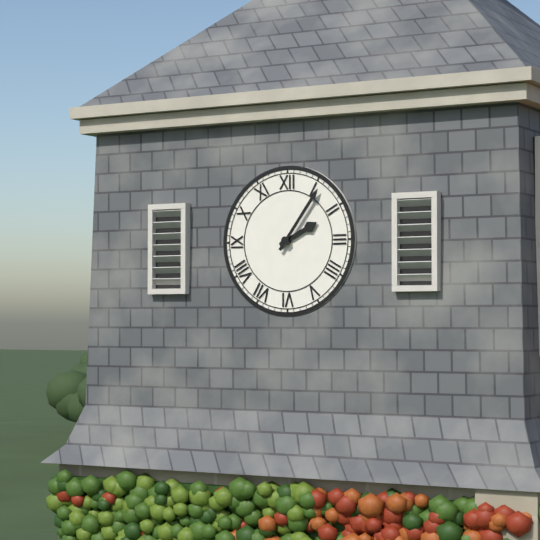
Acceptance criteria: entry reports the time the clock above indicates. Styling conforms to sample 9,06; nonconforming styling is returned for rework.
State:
2,06
